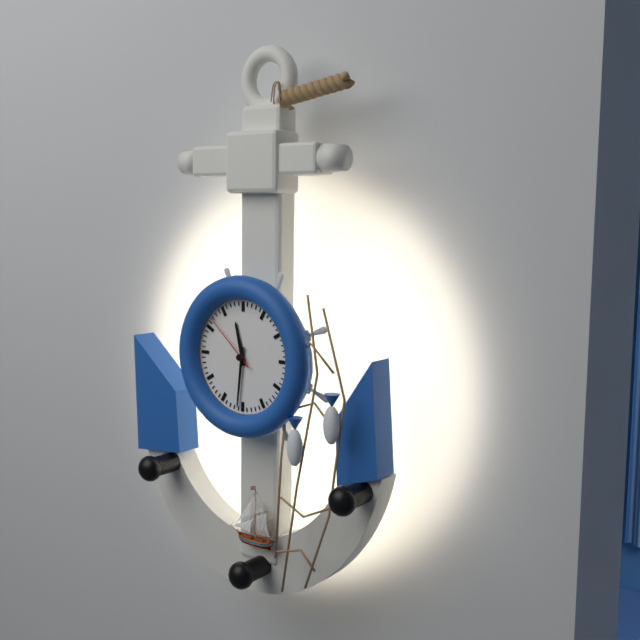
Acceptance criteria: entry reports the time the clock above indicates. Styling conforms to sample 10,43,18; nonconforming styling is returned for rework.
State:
11,31,52
